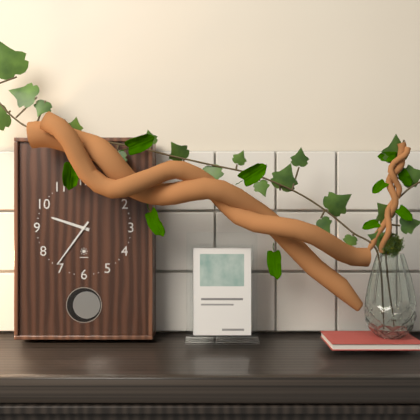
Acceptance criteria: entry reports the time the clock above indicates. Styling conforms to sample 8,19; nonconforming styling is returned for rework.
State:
9,36
